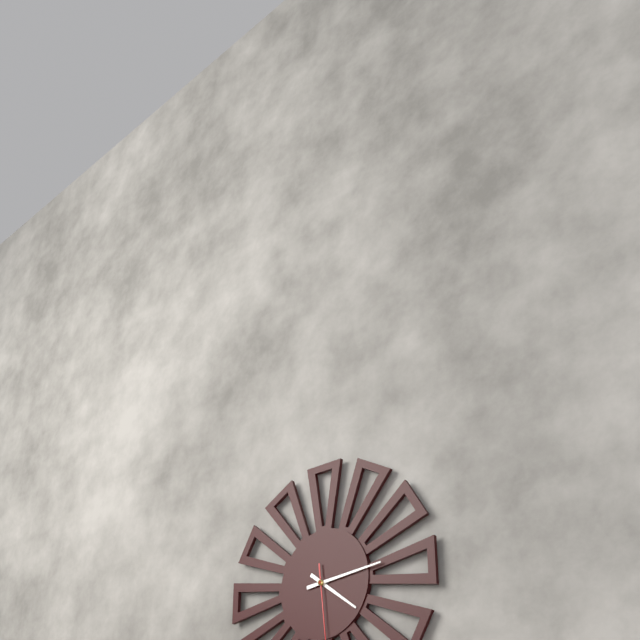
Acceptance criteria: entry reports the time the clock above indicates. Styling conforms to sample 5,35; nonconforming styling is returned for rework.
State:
4,14
